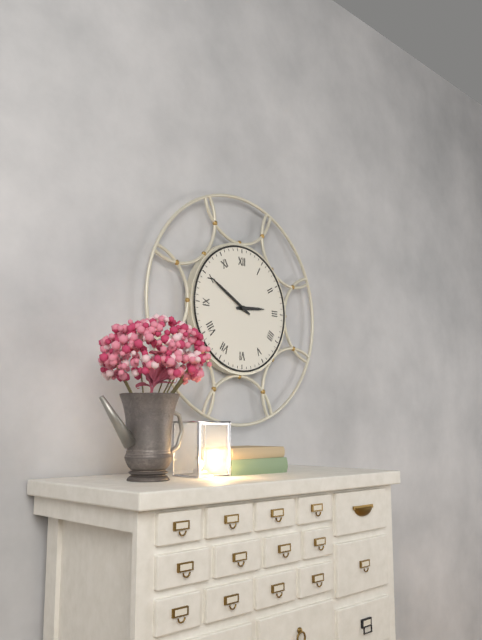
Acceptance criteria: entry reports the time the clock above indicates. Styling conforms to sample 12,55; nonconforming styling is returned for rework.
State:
2,50
